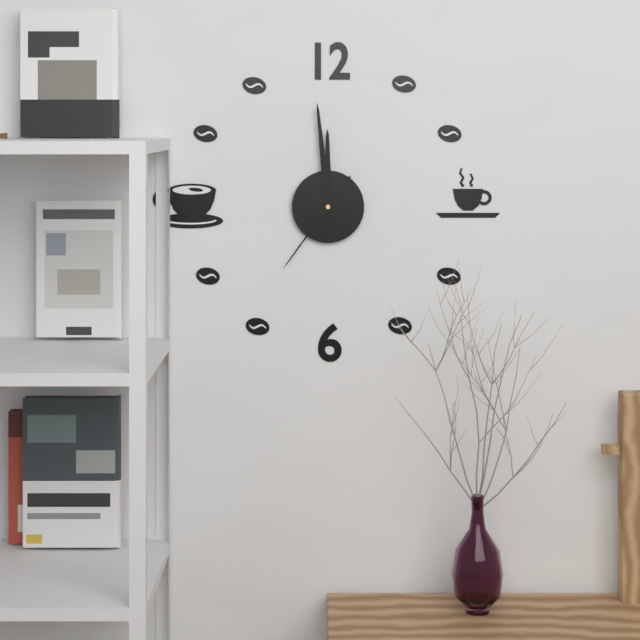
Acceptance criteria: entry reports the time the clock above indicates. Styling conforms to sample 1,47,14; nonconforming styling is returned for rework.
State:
11,59,36
